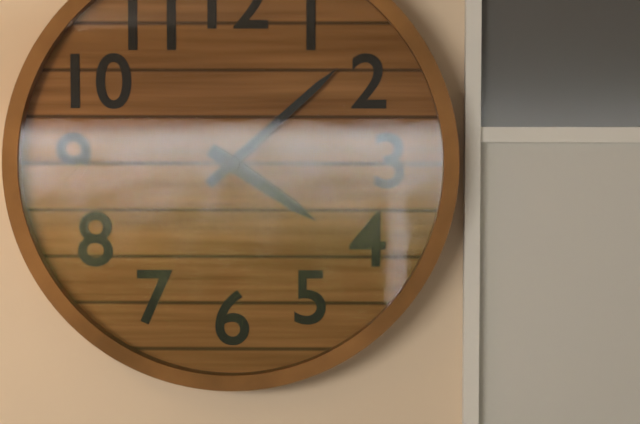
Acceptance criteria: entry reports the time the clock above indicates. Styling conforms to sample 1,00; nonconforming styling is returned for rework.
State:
4,08
